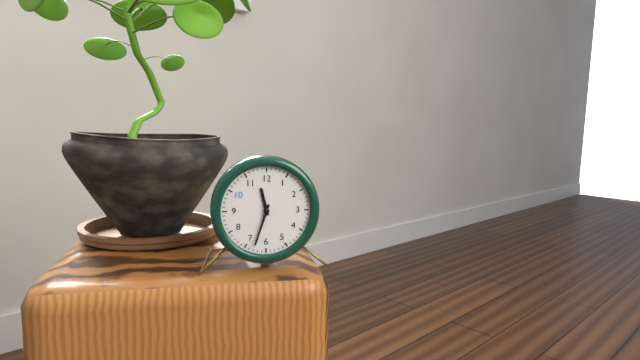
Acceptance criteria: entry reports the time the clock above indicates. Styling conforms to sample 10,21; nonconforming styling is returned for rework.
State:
11,33
